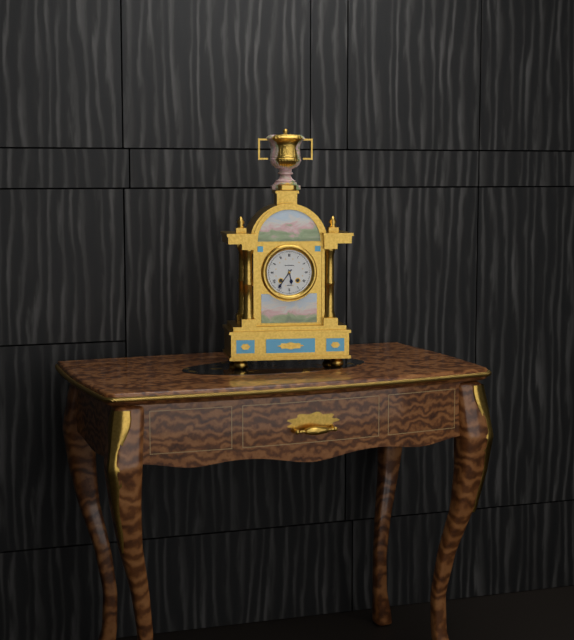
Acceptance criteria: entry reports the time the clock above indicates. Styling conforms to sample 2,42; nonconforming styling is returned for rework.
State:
5,36
